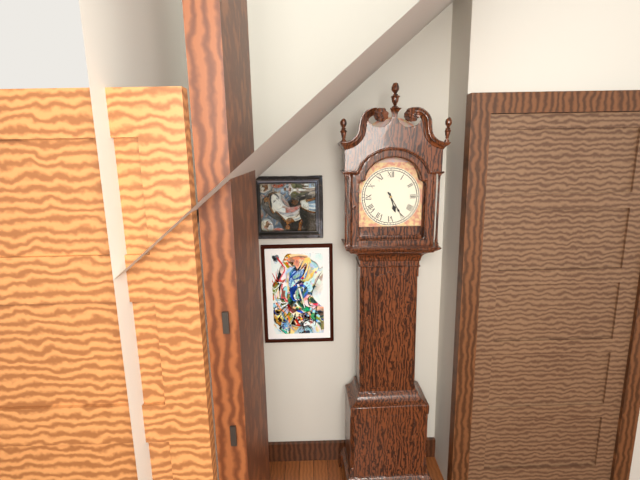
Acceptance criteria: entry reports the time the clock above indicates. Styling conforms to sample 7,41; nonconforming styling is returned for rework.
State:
5,25
